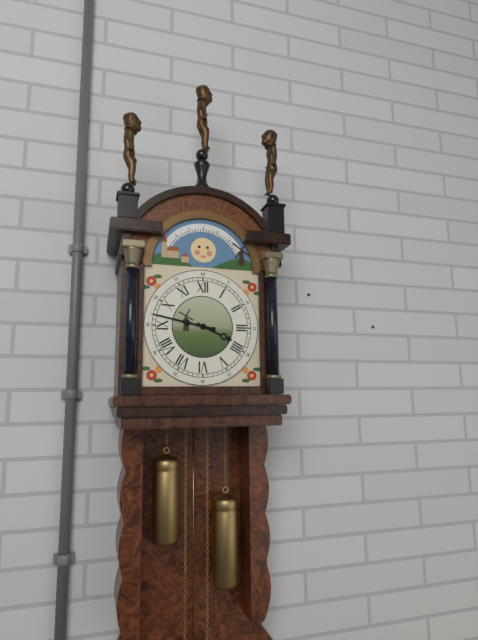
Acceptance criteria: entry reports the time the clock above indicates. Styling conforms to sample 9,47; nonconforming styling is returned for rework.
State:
3,47
